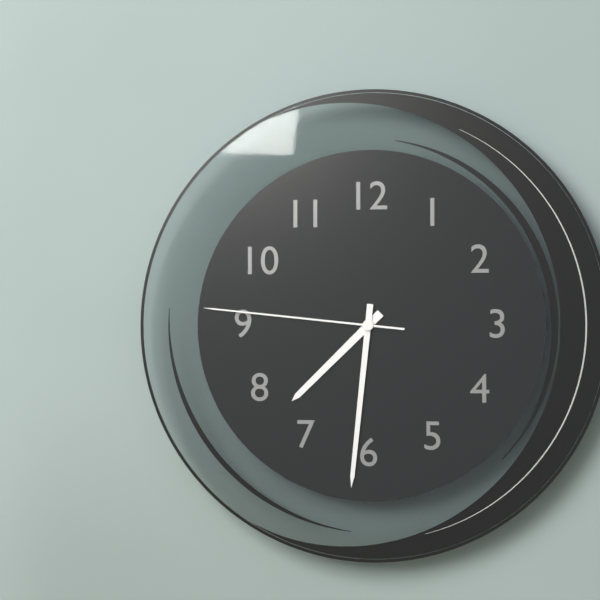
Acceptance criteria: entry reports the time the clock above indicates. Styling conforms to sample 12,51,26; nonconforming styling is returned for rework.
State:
7,31,46
